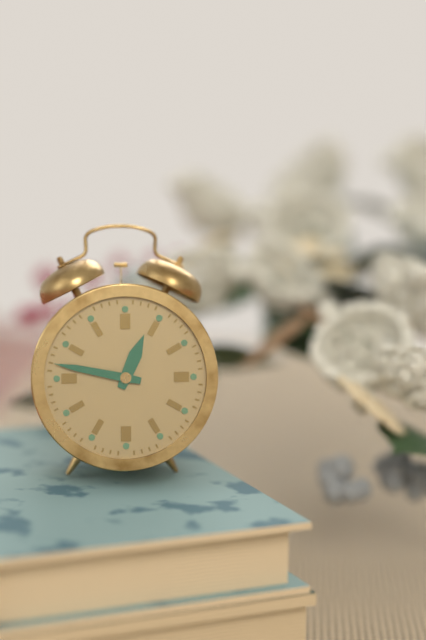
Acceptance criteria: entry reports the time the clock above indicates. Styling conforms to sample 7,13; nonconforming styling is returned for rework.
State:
12,47
